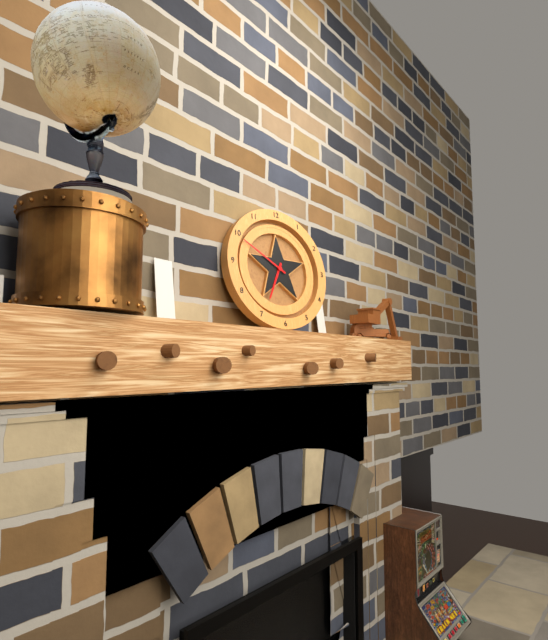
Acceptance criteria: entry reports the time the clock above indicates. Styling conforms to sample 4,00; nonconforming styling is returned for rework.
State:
6,50
